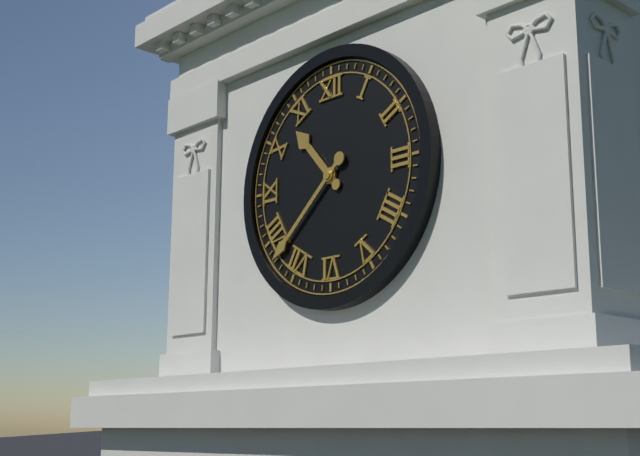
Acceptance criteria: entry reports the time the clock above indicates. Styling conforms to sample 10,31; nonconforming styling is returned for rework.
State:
10,38
